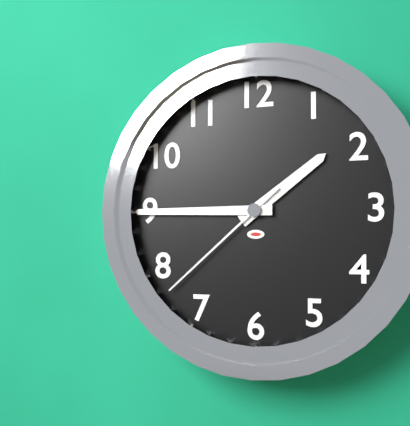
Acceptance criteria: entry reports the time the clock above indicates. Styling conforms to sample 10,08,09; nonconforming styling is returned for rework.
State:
1,45,38
